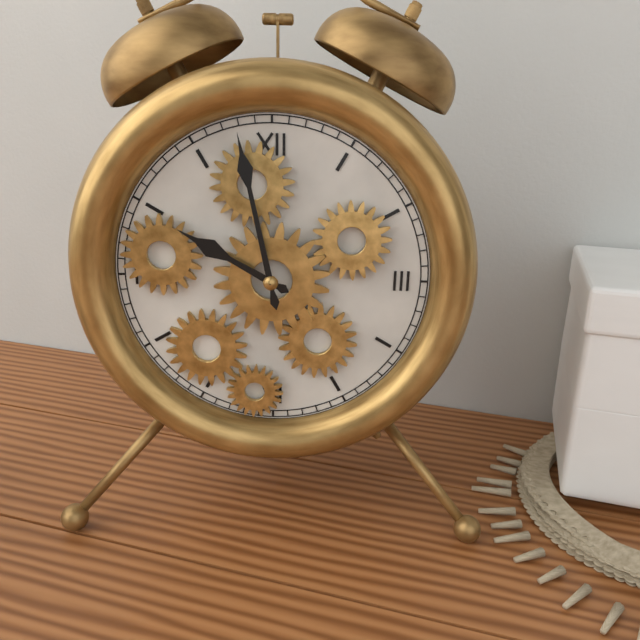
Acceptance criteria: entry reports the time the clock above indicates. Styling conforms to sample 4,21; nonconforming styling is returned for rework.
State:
9,58
